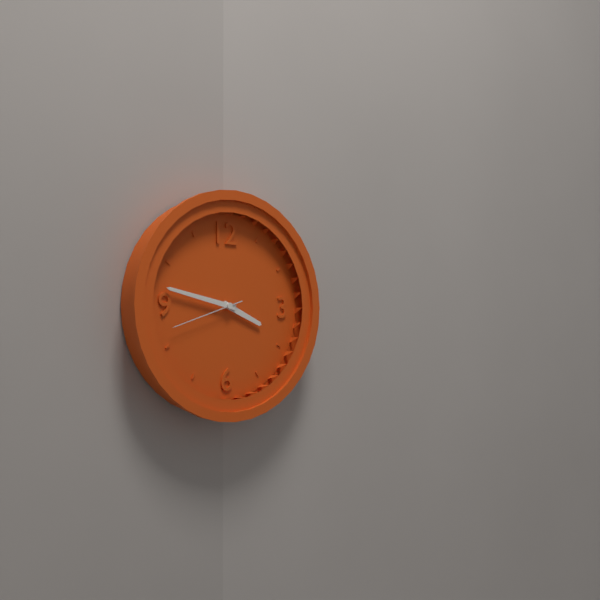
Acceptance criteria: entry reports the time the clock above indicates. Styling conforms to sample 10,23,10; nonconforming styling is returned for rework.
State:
3,47,42
